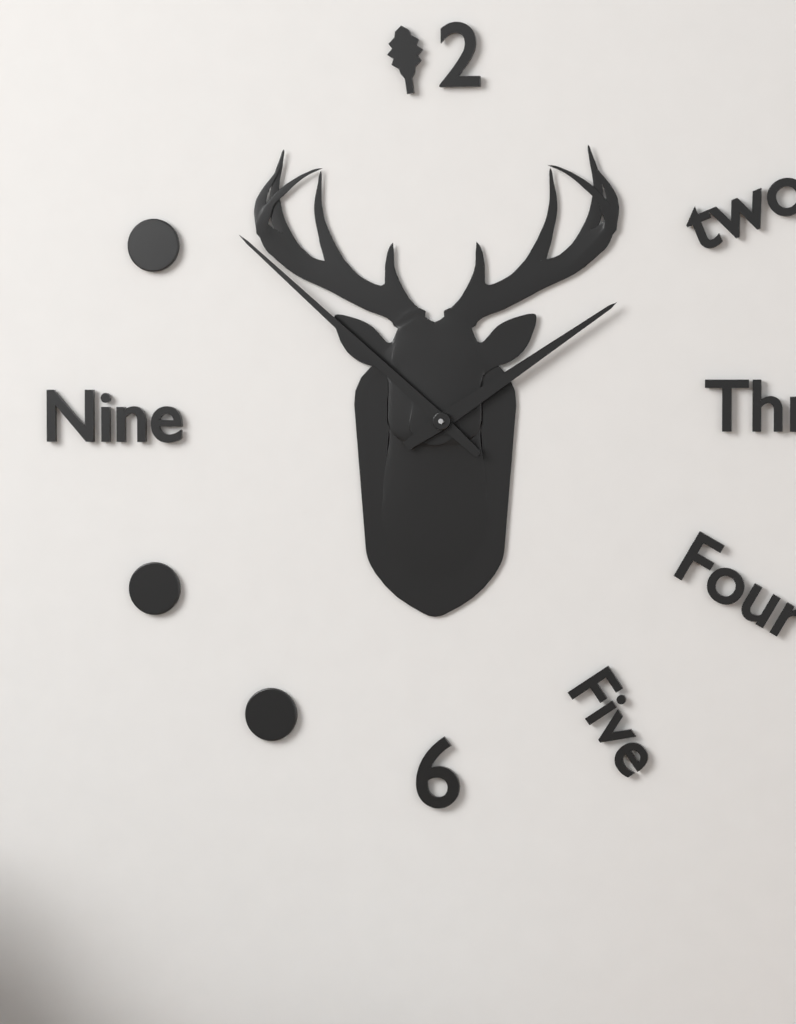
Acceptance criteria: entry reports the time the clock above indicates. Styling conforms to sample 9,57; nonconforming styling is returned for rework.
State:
1,52
